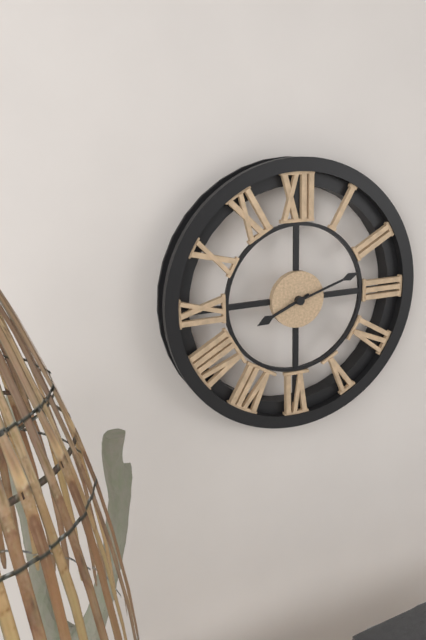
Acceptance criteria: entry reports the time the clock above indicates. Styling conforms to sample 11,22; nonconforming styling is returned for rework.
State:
8,12
